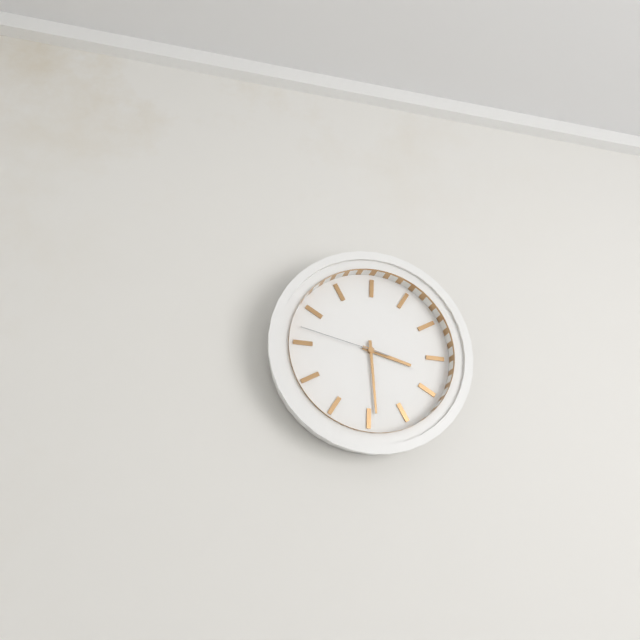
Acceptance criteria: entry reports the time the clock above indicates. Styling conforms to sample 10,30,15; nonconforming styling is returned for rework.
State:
3,29,47
